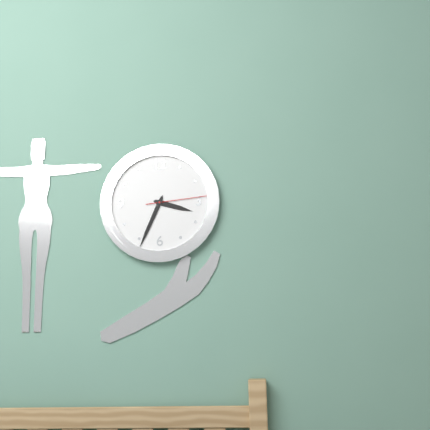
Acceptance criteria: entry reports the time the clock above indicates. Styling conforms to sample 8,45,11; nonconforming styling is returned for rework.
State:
3,34,14
